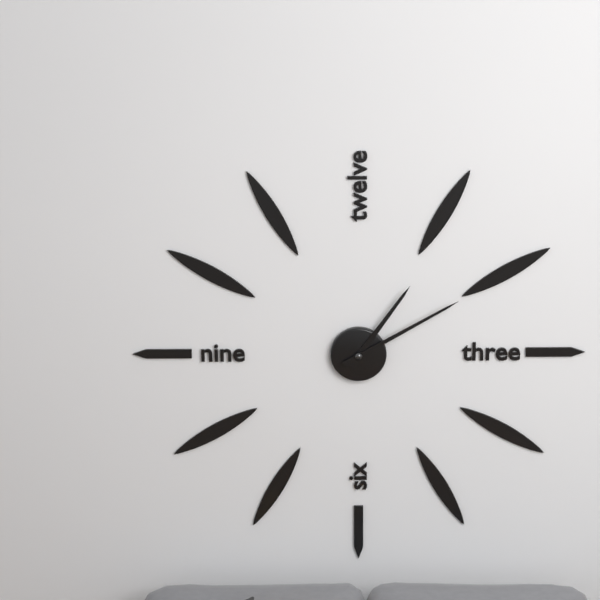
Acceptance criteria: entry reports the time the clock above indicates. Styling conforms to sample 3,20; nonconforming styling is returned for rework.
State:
1,10
